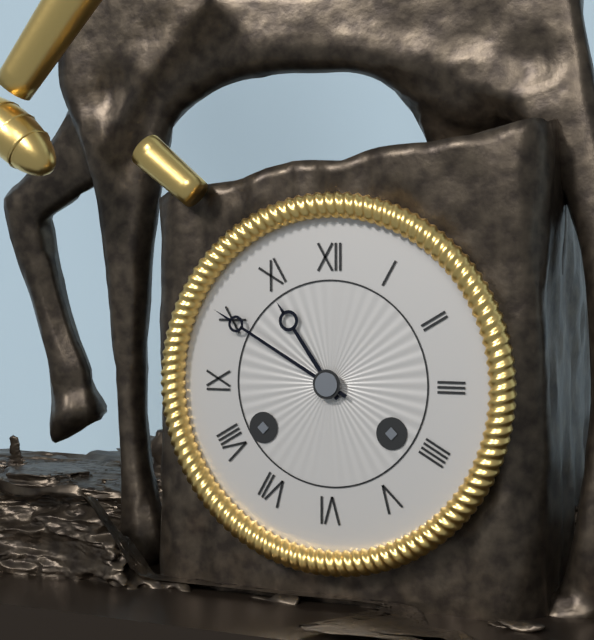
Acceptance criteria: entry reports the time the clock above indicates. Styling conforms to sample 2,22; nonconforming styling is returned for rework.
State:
10,50
